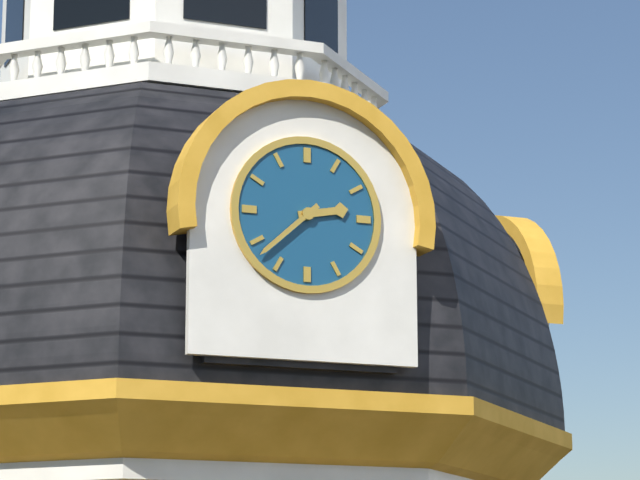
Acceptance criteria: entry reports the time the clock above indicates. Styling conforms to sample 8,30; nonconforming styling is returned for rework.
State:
2,38
